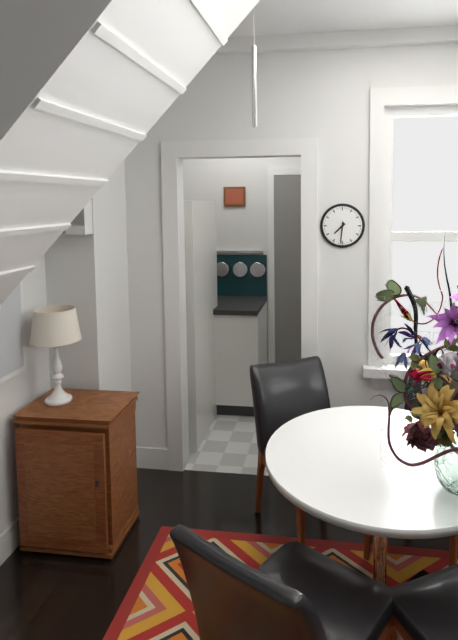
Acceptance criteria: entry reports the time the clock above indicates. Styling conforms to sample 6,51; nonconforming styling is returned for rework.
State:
7,31
